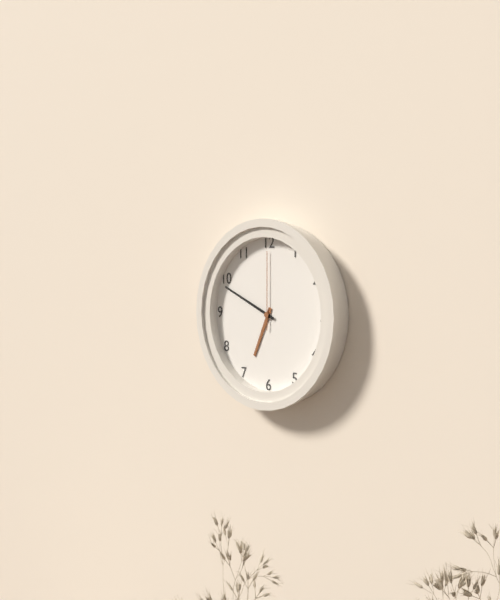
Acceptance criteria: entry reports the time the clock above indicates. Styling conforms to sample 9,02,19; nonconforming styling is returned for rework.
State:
6,49,00
